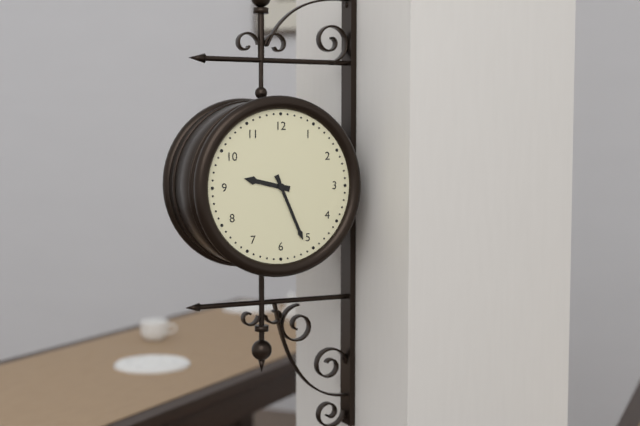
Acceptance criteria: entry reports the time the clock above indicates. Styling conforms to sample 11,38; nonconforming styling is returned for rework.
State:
9,26
